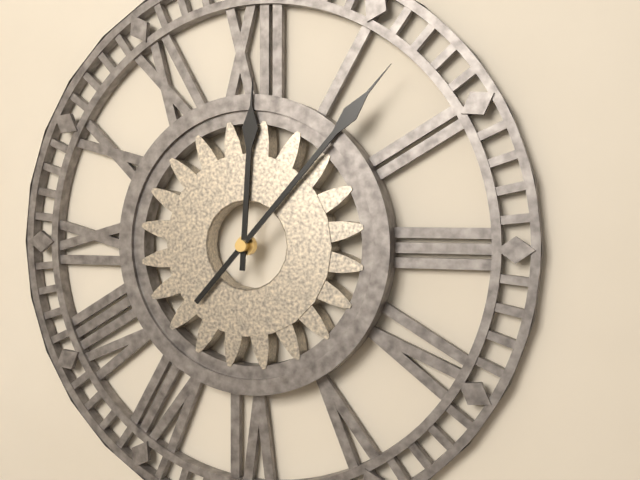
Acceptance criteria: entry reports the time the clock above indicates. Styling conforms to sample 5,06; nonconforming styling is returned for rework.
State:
12,07
